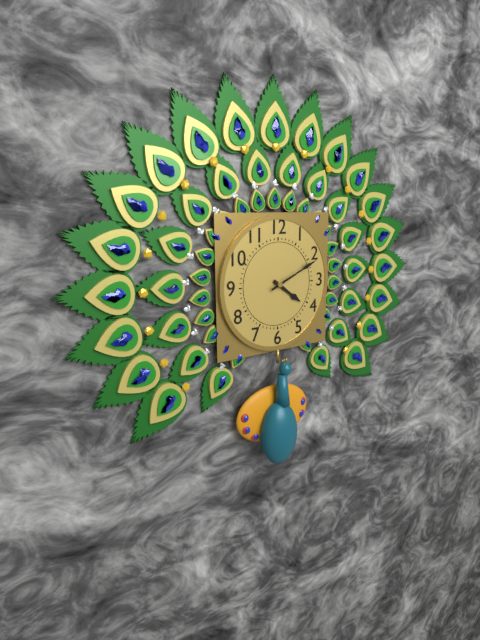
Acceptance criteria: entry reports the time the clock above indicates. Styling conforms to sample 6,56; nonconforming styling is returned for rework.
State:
4,11
